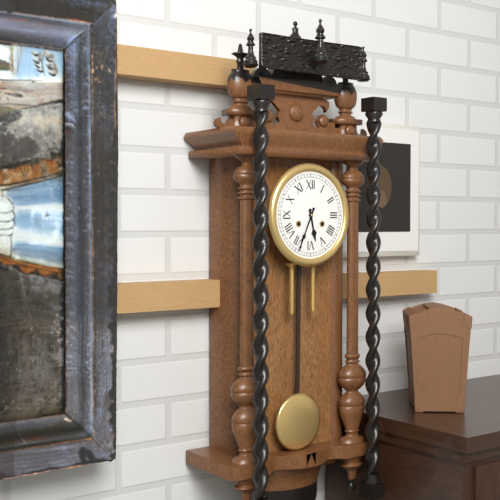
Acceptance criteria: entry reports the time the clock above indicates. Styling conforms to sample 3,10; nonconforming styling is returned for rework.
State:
5,34
